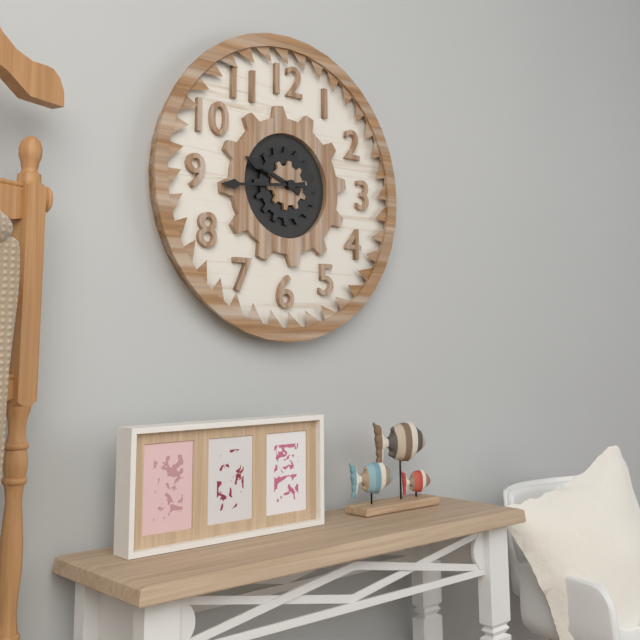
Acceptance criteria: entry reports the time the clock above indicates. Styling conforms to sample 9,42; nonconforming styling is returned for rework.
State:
9,44
